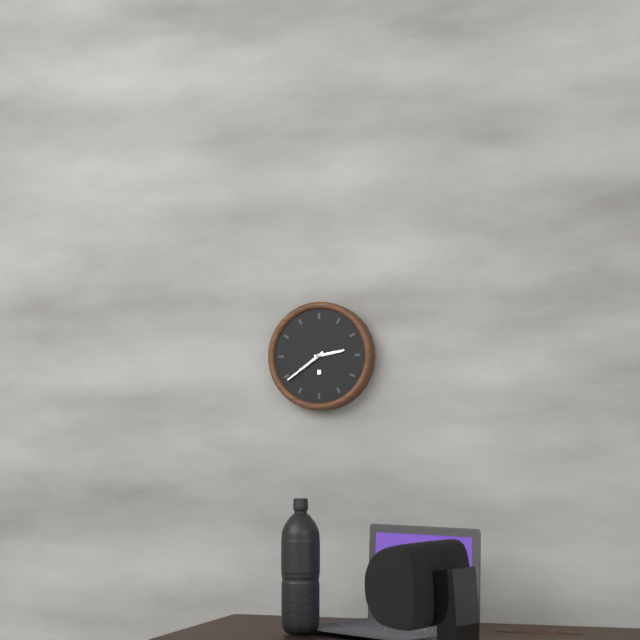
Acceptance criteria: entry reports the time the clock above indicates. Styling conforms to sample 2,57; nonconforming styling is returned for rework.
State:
2,39
